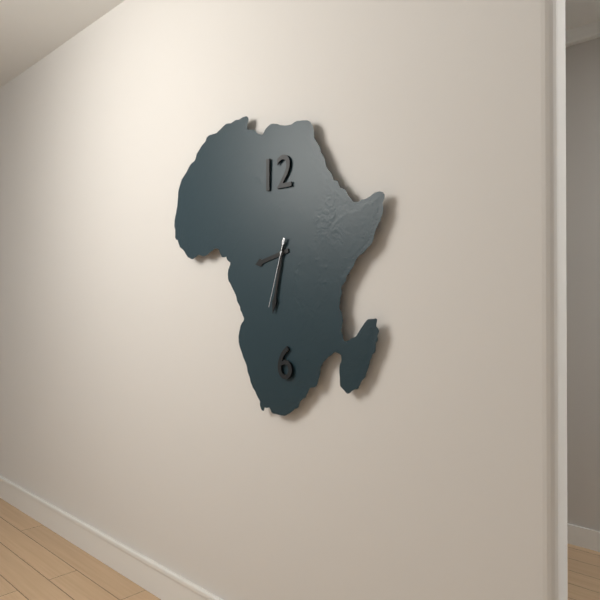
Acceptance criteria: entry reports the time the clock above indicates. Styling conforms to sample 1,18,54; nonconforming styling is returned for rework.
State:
8,32,33
